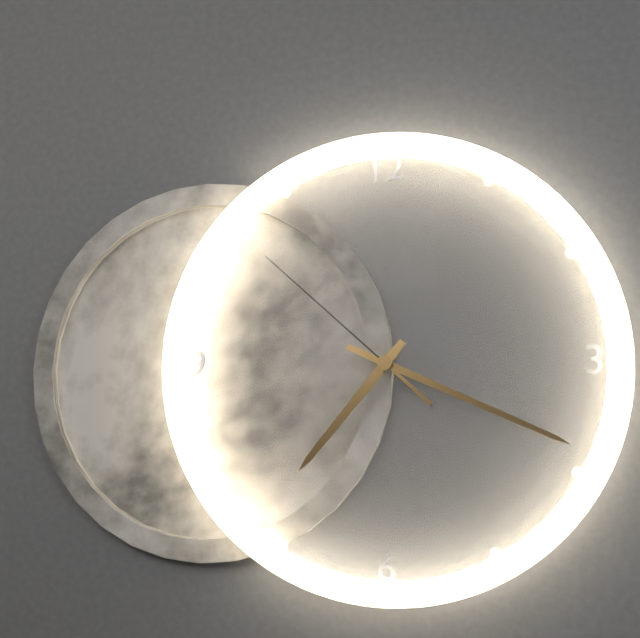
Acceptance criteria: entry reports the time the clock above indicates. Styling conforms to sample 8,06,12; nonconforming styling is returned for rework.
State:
7,19,52
